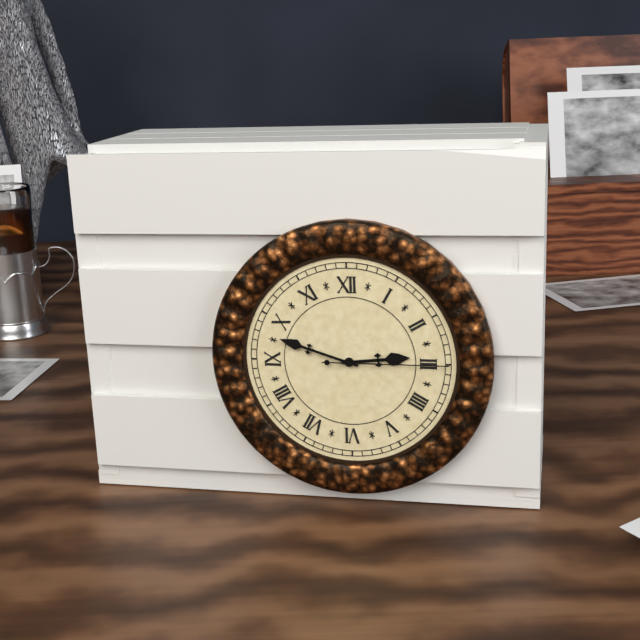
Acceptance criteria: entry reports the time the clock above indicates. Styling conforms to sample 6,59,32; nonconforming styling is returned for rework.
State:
2,48,15
